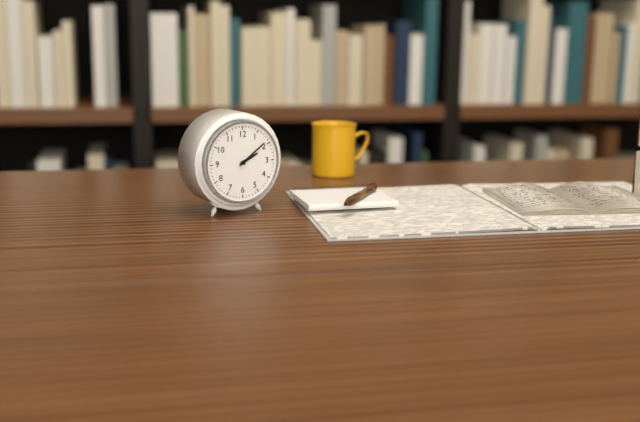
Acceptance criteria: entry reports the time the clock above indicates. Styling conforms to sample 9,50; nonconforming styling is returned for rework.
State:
2,09
